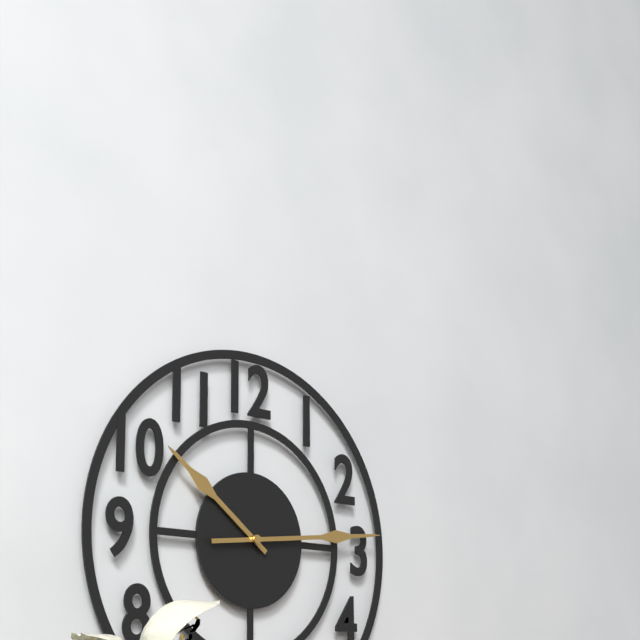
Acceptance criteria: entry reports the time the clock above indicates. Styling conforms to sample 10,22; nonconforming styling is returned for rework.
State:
10,14
